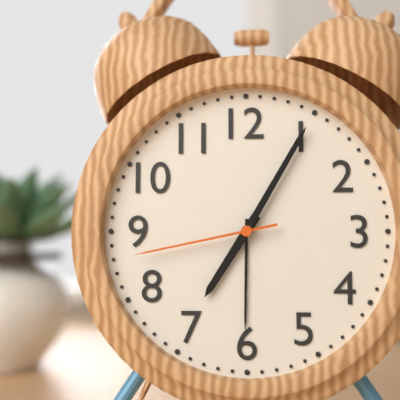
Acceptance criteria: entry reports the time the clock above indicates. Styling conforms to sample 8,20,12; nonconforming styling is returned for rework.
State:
7,05,43
